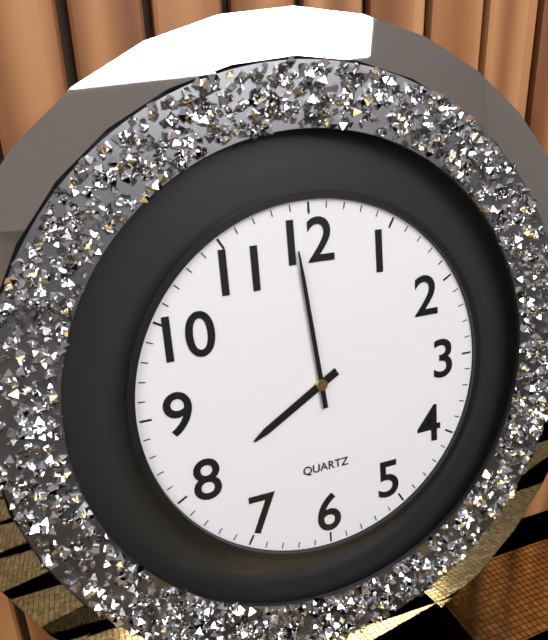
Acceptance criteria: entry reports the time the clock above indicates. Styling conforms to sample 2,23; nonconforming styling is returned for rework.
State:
7,59
